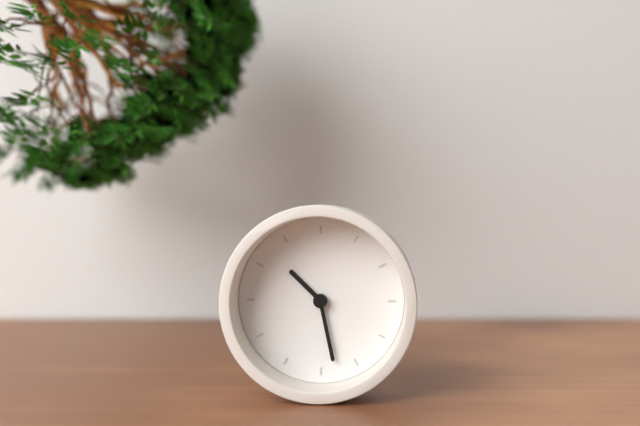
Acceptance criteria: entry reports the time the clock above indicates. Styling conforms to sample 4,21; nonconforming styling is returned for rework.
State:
10,28
